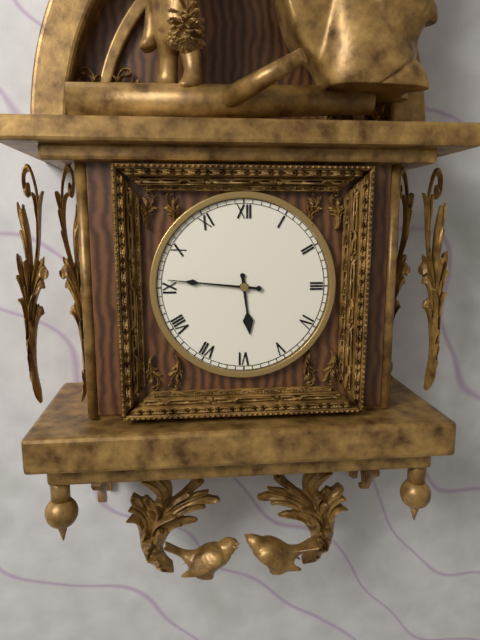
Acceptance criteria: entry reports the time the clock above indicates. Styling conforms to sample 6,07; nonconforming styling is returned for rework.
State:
5,46
